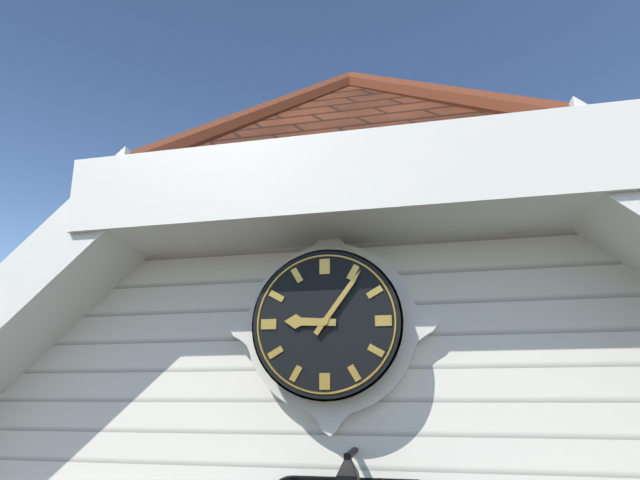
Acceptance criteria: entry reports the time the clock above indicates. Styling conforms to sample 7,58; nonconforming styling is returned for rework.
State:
9,06
